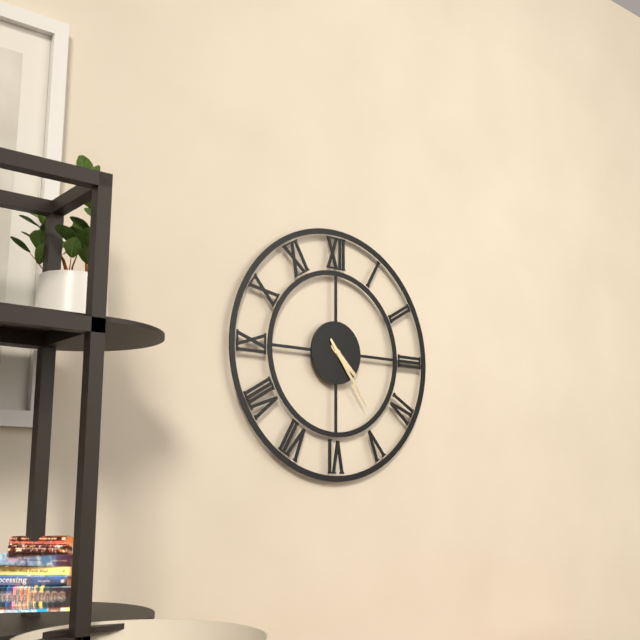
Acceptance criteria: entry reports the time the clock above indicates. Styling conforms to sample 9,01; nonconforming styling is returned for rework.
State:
4,24
